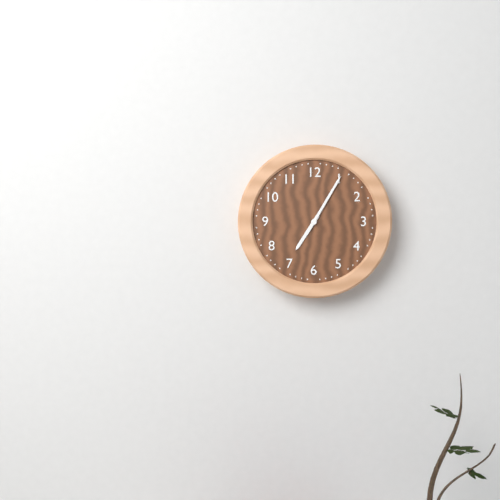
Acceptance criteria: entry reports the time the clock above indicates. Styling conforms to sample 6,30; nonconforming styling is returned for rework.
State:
7,05
